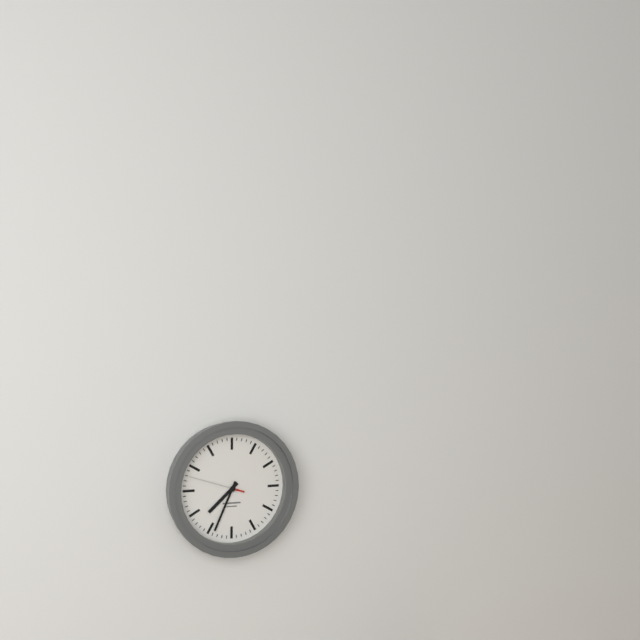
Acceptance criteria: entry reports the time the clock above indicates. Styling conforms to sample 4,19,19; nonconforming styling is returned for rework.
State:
7,34,48
